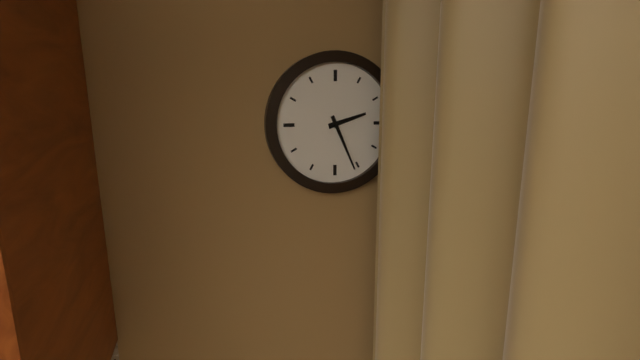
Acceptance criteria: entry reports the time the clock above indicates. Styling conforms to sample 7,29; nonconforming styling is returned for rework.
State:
2,26
